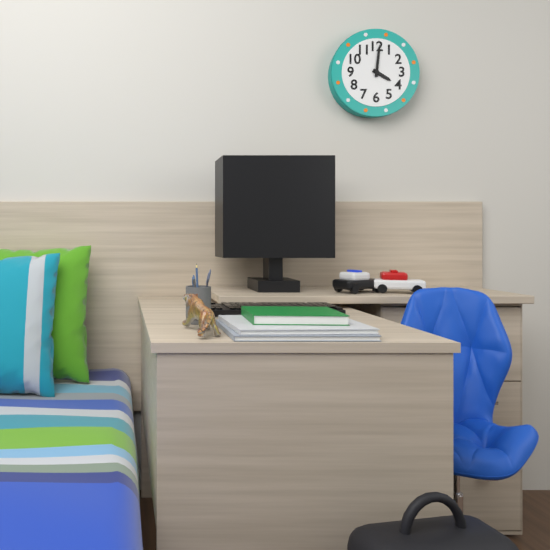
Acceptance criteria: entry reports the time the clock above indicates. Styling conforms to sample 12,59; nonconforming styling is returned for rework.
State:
4,01
